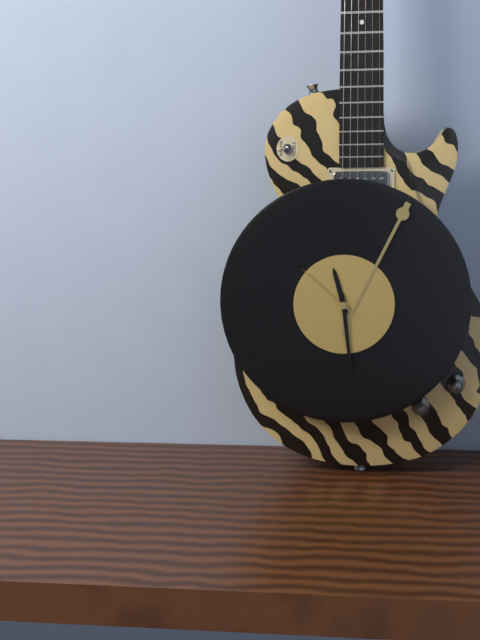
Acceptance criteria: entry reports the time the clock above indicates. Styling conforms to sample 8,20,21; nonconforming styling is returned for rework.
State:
11,29,52
